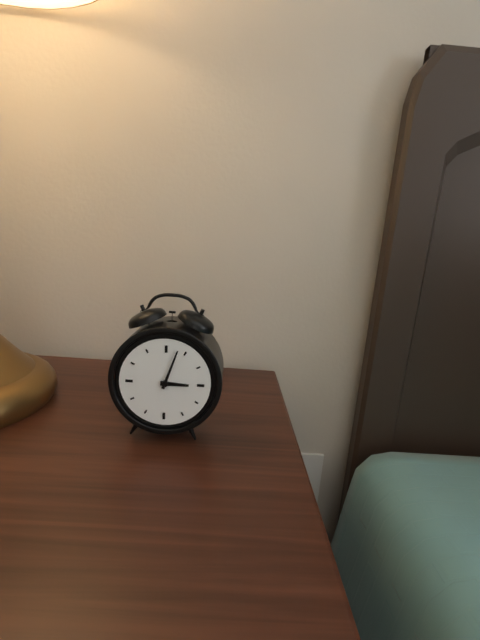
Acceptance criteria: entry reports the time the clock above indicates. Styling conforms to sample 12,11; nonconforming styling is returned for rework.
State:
3,03
